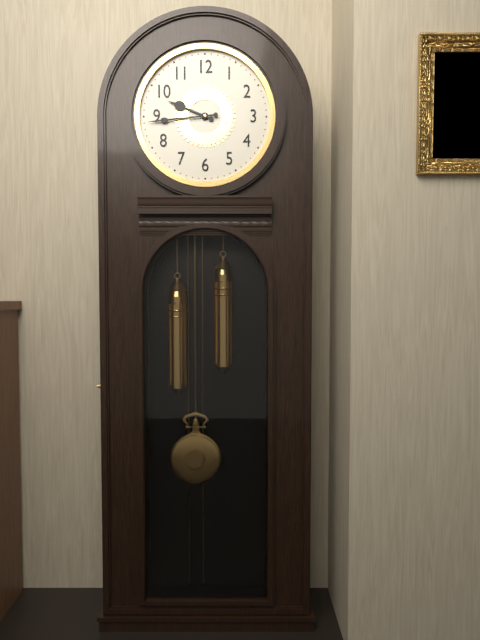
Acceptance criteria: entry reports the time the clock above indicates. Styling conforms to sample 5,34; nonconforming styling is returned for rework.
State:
9,44
